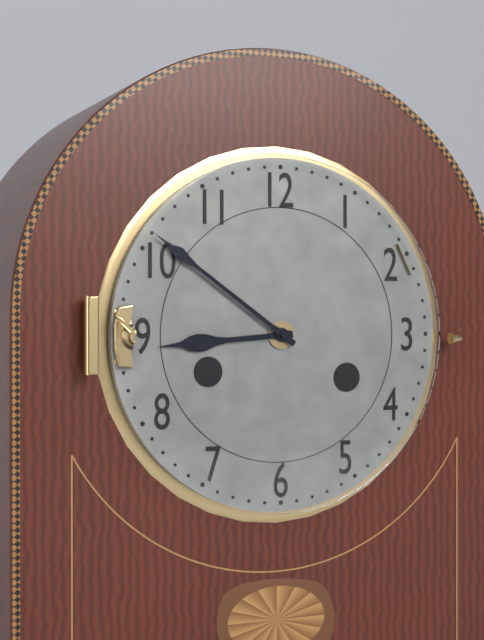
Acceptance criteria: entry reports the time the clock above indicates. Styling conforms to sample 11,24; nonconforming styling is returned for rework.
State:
8,51
